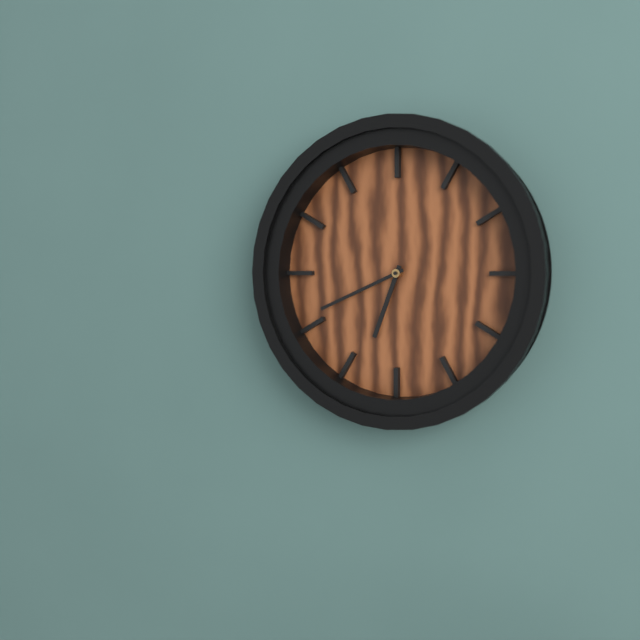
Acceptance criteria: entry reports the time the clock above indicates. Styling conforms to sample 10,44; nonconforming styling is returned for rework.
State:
6,41
